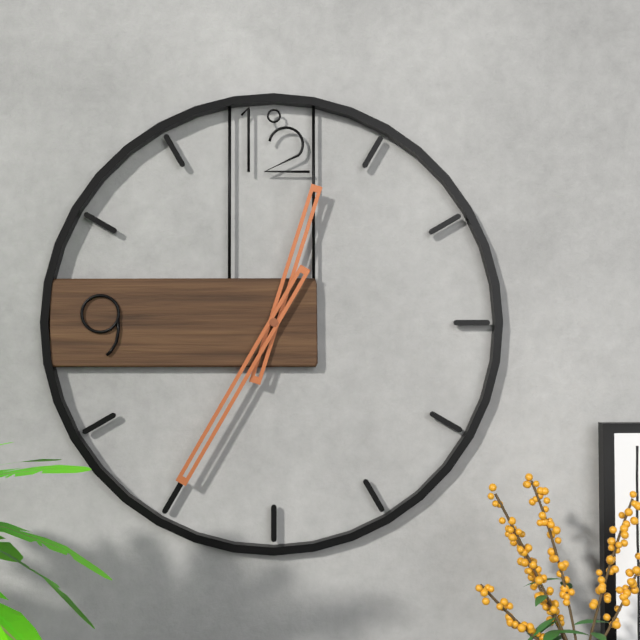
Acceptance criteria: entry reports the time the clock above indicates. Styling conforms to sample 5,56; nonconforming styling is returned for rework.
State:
12,35
